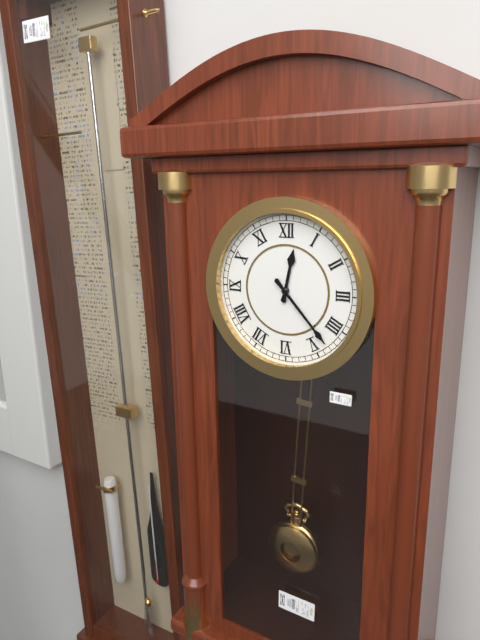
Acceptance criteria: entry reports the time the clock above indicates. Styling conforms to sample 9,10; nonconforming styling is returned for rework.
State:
12,23
